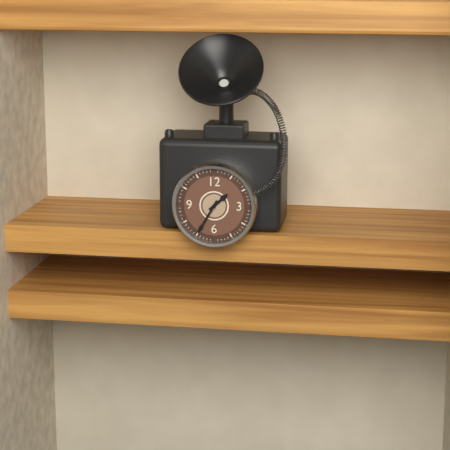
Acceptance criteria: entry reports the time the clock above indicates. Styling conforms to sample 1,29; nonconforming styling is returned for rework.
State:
1,35
